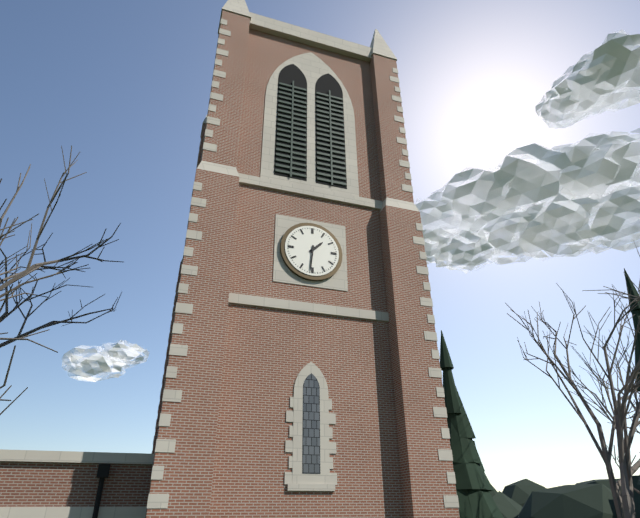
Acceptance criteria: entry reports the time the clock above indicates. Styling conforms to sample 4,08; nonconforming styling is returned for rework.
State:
1,31
